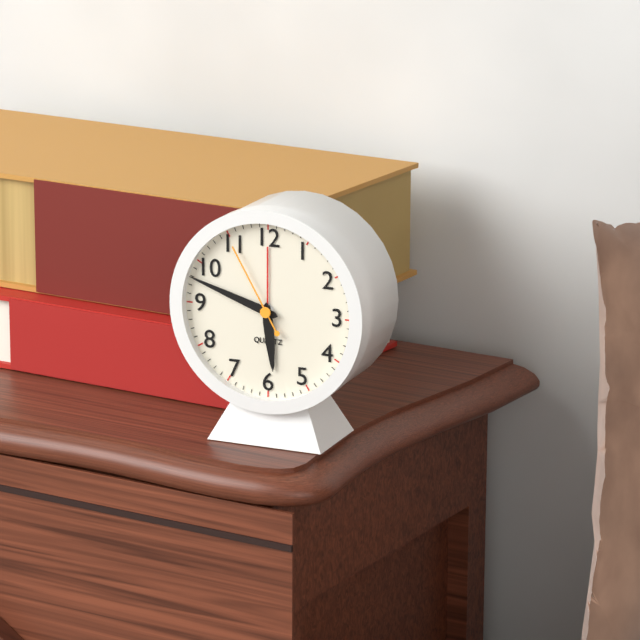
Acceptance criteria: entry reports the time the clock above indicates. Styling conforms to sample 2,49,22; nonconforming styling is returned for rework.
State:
5,48,55
